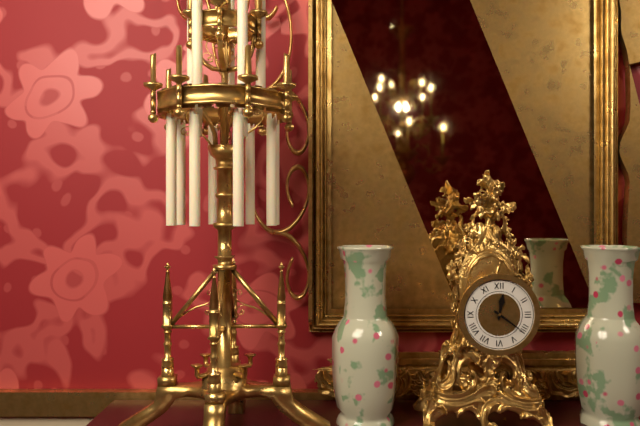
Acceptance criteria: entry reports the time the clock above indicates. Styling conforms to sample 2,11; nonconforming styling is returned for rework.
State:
12,21
